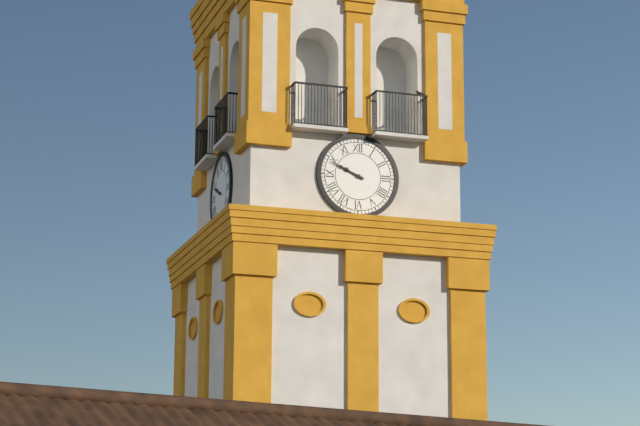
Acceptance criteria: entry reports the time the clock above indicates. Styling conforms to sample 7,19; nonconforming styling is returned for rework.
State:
9,49
